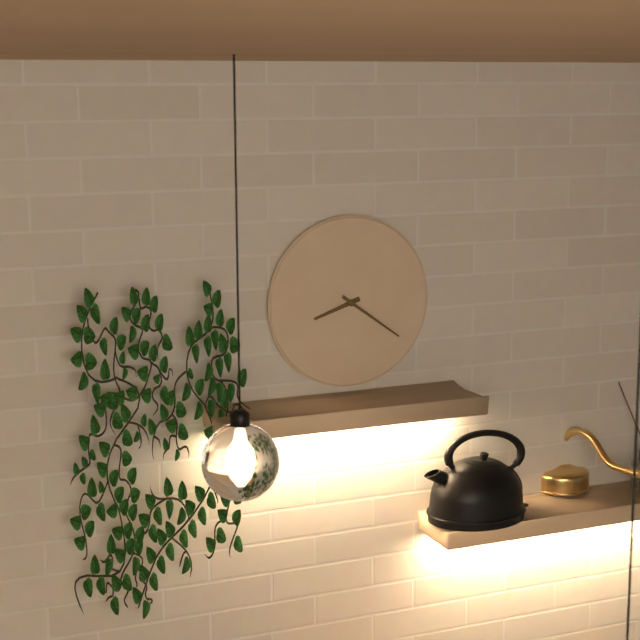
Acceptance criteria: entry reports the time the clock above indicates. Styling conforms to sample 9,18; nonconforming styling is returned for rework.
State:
8,21
